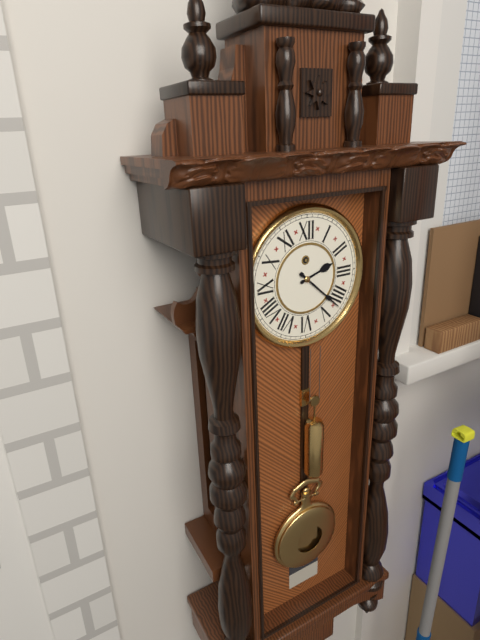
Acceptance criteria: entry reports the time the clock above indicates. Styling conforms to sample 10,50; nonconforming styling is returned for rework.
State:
2,22
